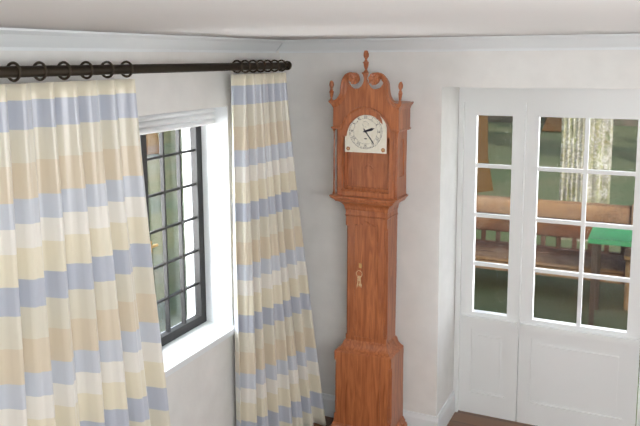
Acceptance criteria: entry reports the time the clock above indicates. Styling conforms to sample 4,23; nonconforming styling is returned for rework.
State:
2,24
